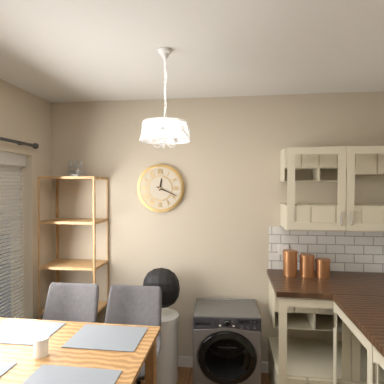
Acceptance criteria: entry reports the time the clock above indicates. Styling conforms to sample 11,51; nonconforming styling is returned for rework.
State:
12,19
